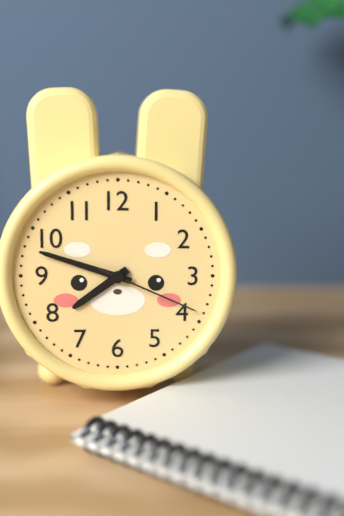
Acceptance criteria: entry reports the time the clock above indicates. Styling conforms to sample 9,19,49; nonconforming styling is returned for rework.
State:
7,48,19
